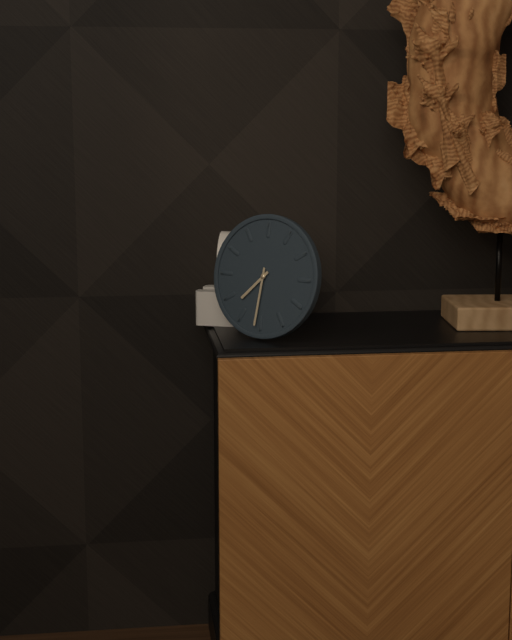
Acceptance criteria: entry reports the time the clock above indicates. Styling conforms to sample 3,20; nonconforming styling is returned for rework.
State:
7,31
